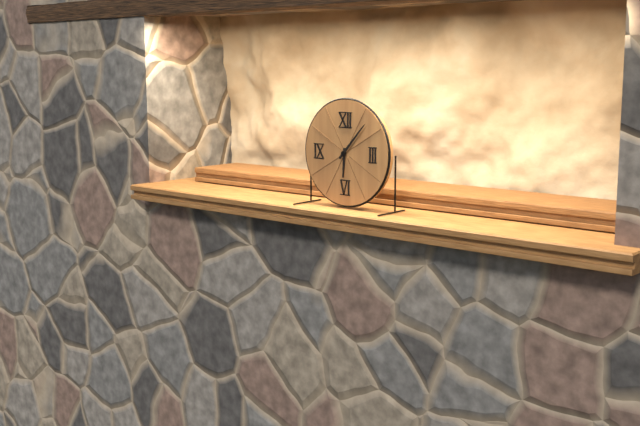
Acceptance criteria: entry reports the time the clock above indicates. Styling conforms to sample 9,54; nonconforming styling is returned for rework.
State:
6,07
